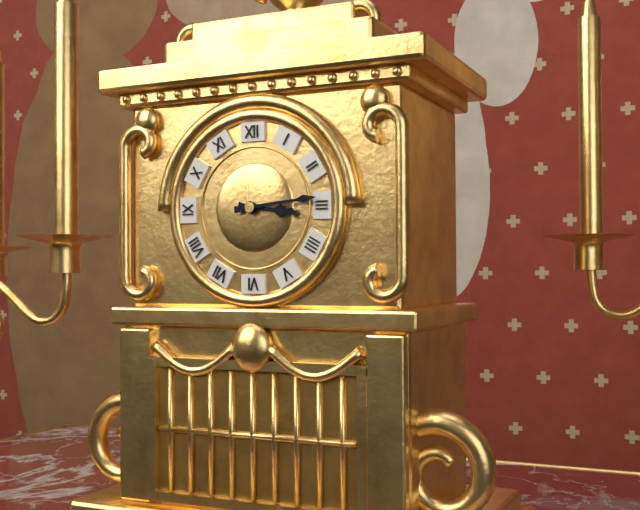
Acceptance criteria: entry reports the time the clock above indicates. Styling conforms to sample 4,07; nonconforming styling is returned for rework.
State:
3,14
